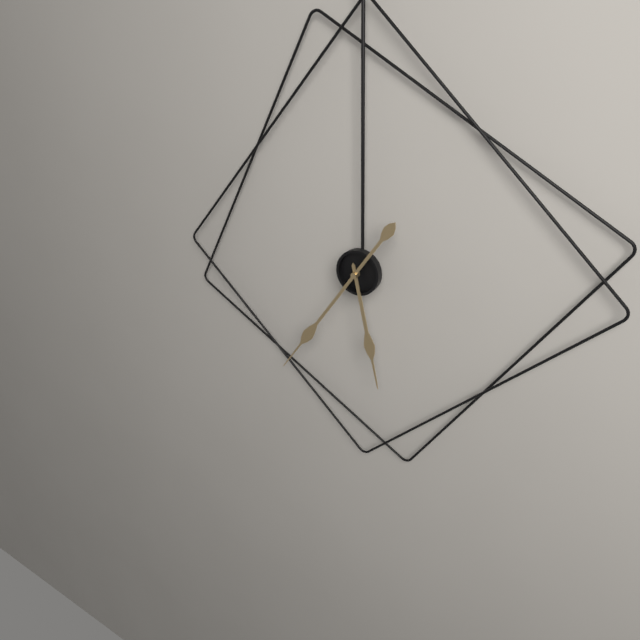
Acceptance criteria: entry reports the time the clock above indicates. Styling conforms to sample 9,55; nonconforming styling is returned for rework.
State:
5,36
